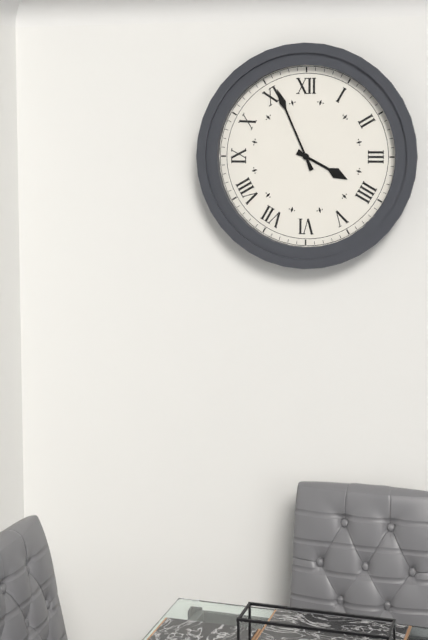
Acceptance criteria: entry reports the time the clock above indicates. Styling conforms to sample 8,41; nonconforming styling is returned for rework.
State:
3,56
